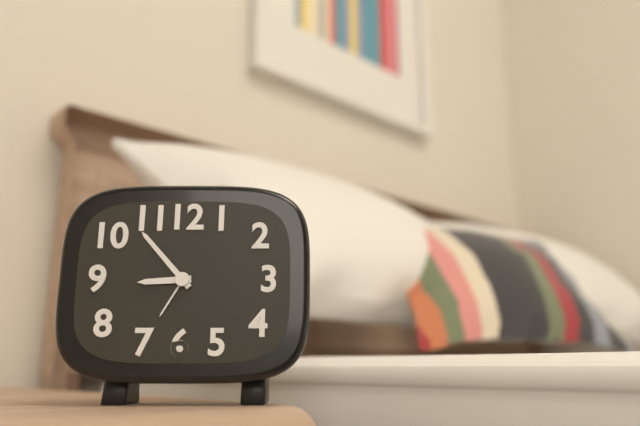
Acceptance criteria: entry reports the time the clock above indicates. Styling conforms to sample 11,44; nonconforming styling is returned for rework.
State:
8,53
